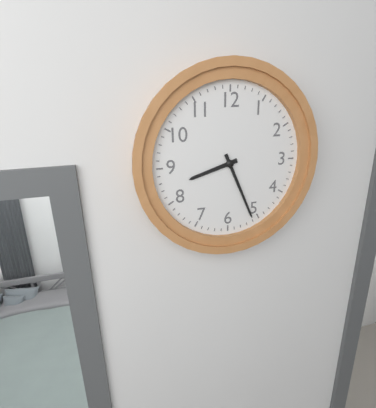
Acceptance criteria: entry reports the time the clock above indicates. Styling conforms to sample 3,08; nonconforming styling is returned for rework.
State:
8,26
